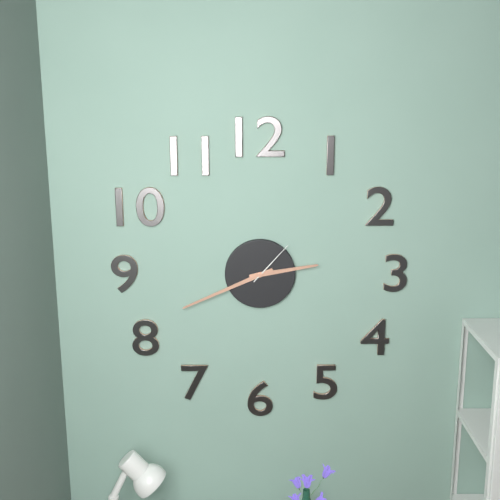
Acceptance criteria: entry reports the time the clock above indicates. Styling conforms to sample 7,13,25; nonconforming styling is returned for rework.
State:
2,41,07
